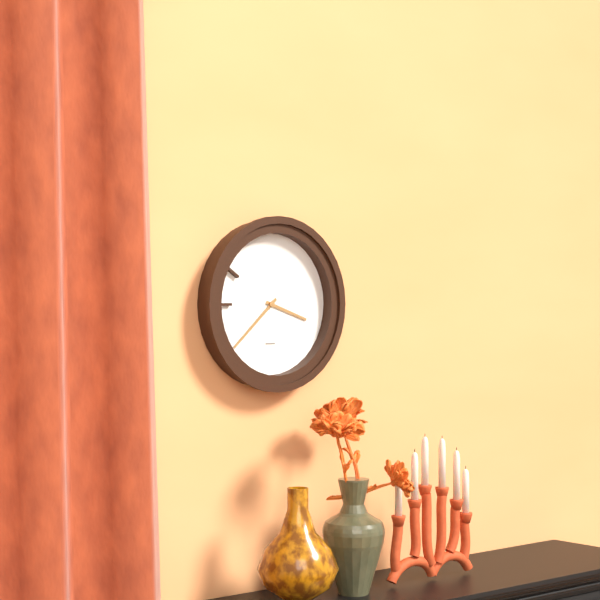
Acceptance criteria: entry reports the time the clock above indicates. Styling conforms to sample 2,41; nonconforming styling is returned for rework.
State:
3,38
